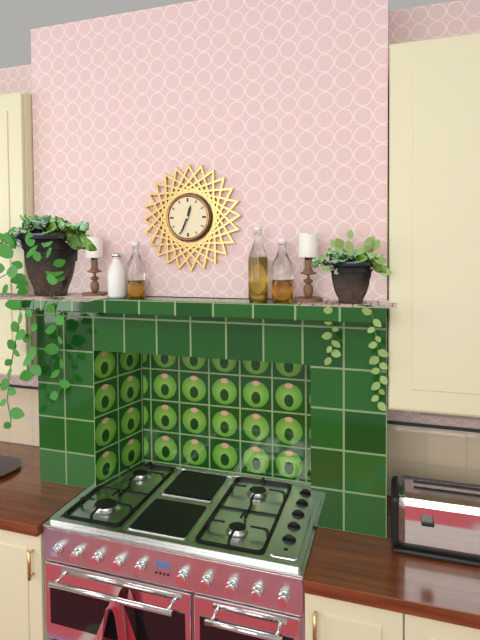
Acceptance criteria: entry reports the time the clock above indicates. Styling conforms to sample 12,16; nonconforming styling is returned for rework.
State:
12,34
